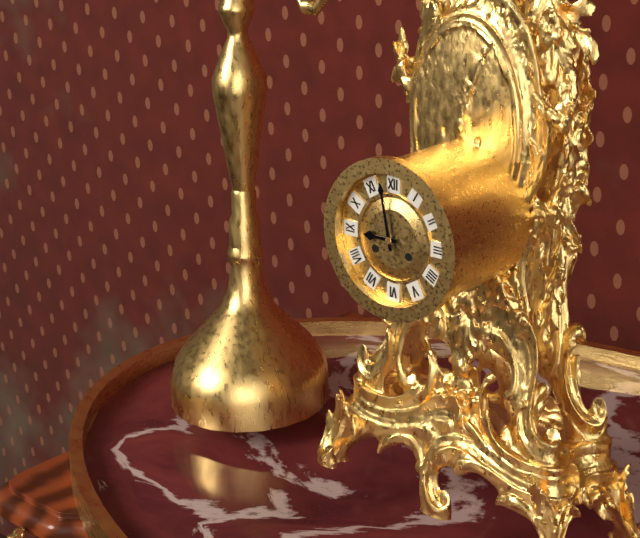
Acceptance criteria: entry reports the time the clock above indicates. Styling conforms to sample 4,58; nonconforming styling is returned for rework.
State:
8,58
